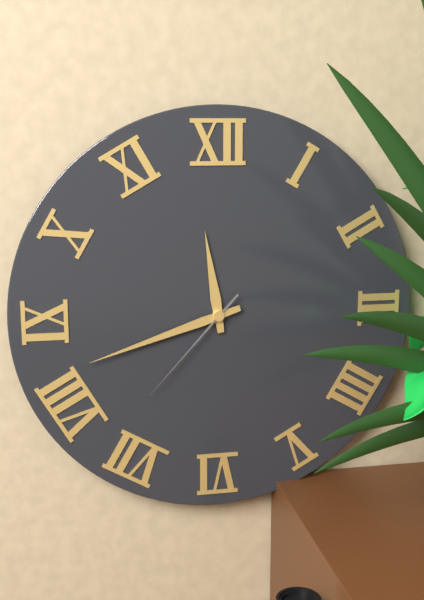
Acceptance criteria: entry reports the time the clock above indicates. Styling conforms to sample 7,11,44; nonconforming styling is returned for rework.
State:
11,42,37
